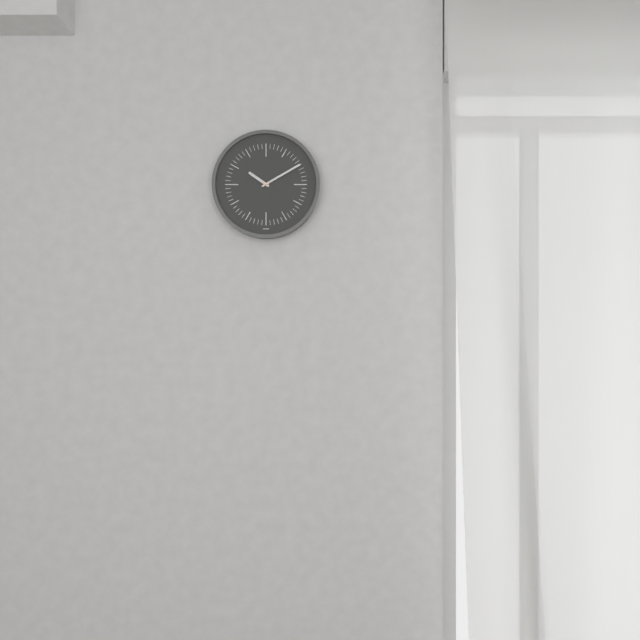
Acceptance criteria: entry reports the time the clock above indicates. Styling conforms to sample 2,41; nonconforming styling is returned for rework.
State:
10,10
